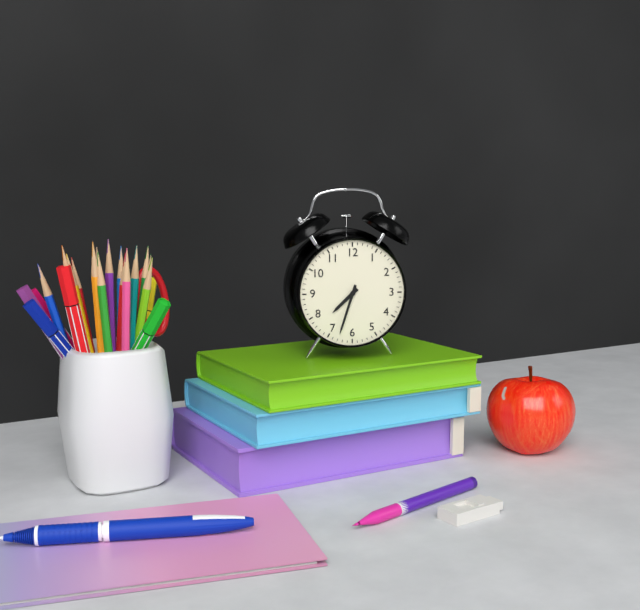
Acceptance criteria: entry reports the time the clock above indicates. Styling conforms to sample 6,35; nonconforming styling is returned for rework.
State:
7,33
